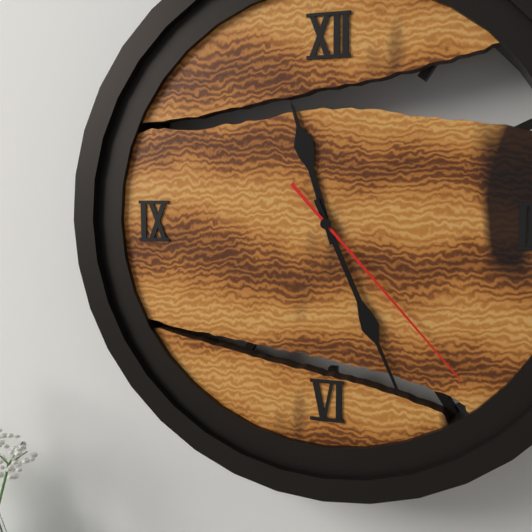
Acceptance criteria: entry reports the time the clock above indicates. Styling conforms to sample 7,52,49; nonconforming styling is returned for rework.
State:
11,26,23
